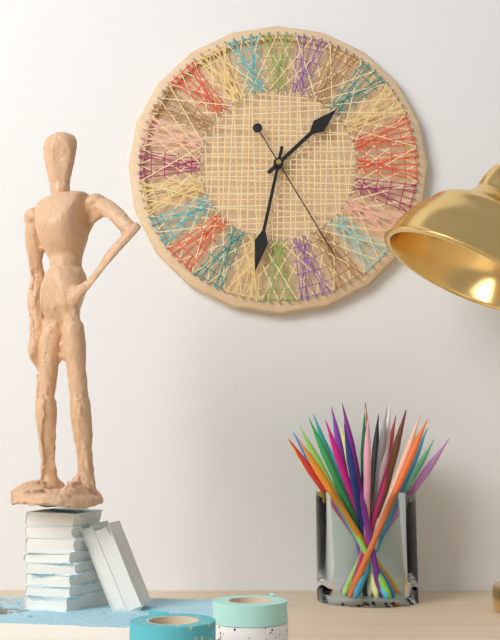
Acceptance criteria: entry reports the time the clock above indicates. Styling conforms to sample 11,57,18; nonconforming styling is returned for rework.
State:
1,32,25
